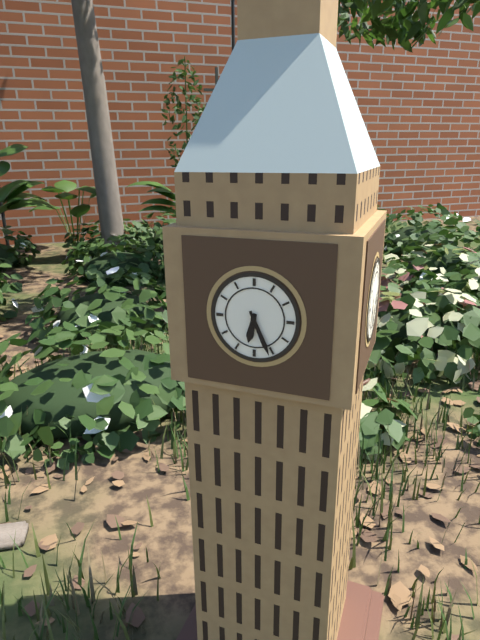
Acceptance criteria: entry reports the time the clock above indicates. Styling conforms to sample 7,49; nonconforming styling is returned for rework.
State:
6,26
